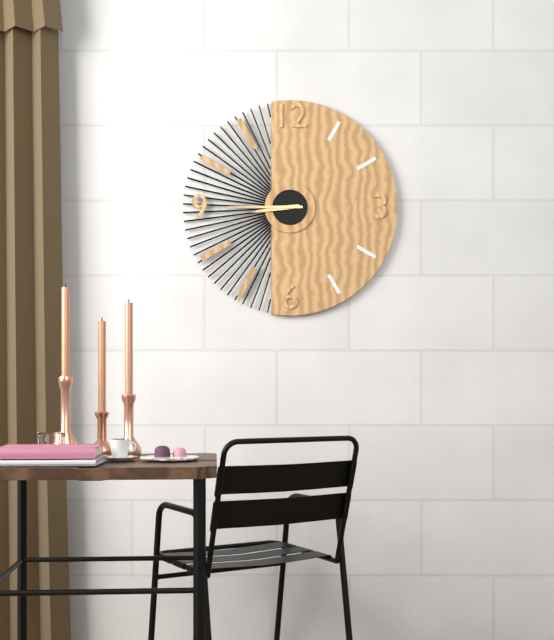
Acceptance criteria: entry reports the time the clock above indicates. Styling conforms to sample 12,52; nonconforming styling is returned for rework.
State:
8,45
